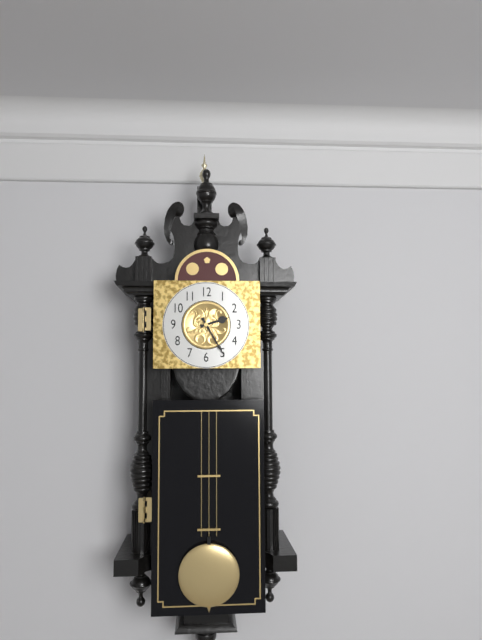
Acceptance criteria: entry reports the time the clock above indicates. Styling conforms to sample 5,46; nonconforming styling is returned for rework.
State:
2,25
